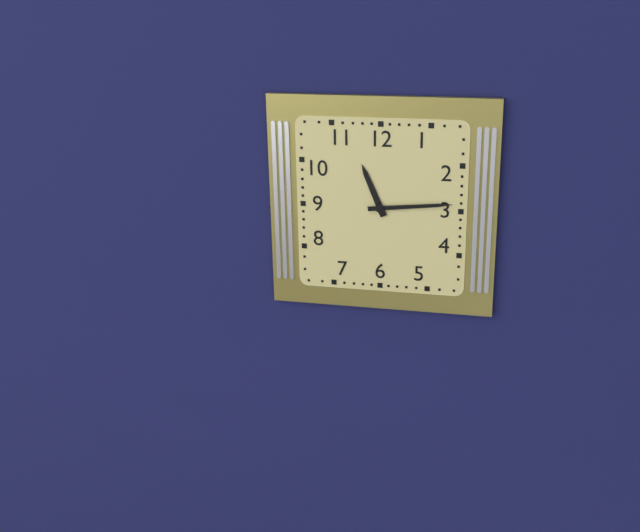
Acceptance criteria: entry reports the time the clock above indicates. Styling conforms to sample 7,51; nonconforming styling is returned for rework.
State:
11,14
